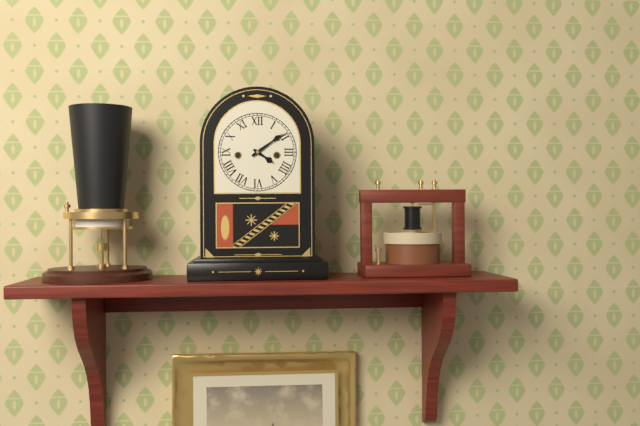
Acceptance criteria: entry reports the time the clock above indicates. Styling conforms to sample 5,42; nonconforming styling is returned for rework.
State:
4,09
